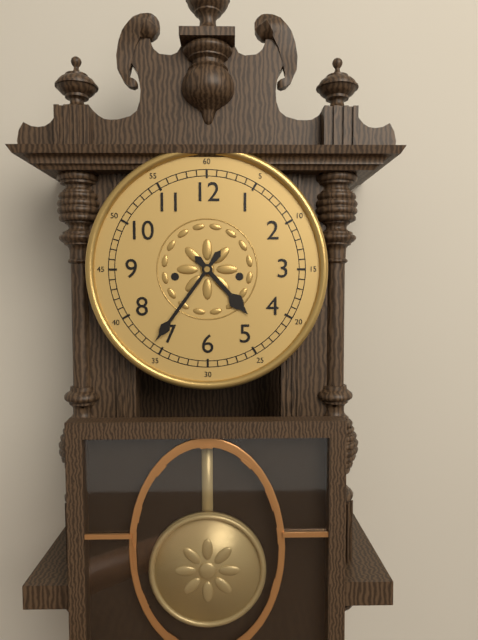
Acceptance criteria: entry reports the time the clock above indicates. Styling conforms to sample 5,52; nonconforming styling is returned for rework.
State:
4,36
